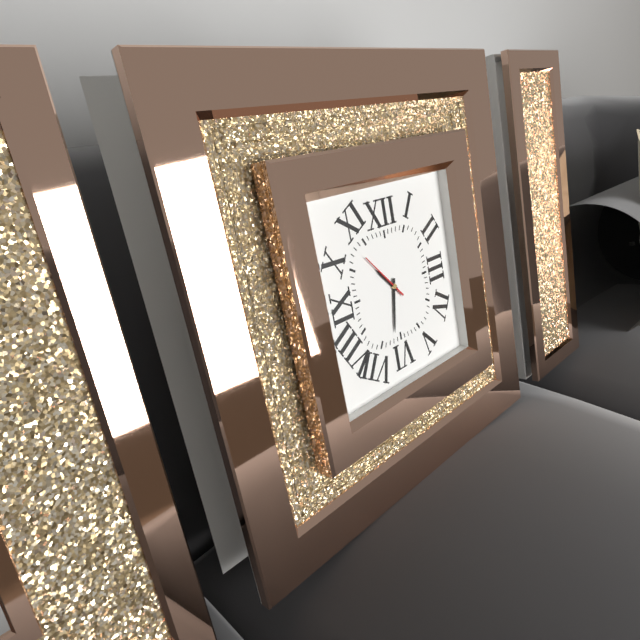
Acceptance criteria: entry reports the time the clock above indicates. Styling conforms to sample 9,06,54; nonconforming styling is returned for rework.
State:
10,32,53
